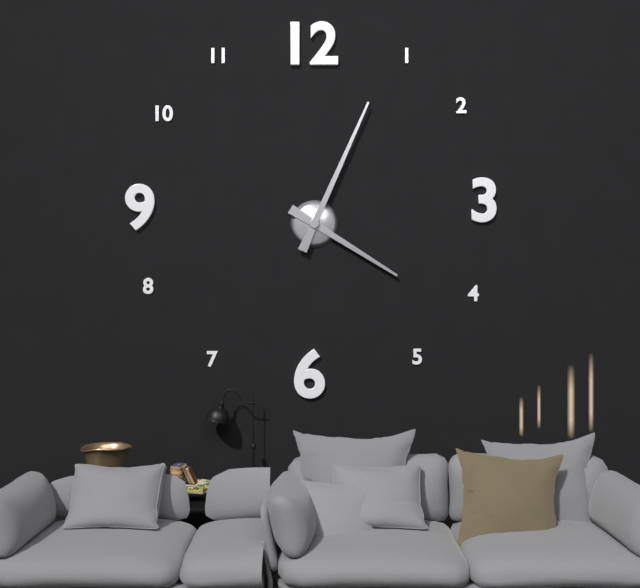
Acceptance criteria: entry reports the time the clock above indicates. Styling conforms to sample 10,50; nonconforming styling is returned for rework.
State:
4,04
